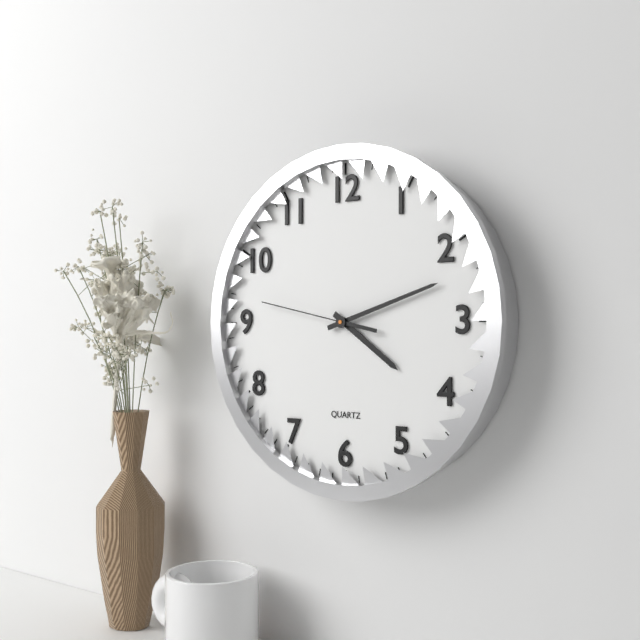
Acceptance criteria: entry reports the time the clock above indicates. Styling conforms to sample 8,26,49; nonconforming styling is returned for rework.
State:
4,12,47
